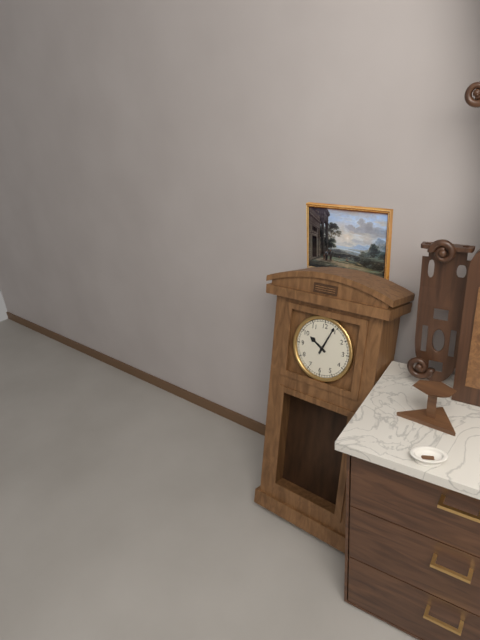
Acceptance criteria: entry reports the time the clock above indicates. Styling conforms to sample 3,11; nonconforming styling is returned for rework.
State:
10,04
